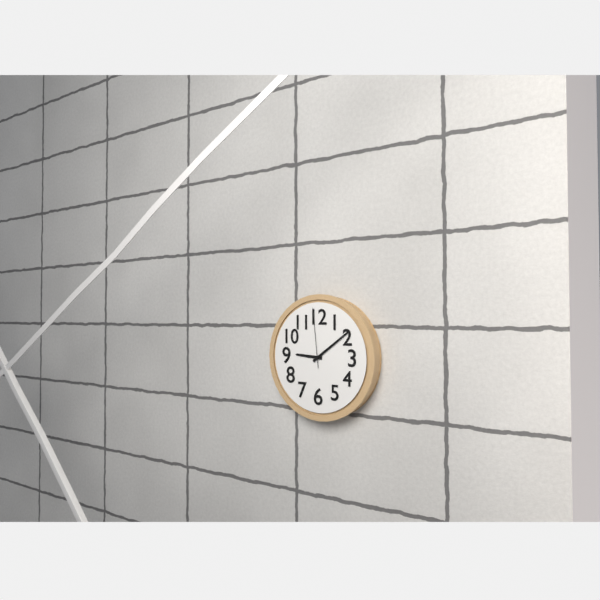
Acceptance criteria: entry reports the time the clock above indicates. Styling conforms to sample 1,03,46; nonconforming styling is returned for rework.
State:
9,09,59
